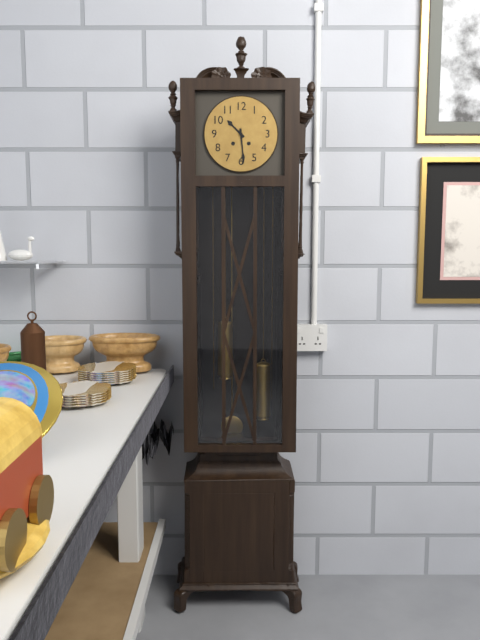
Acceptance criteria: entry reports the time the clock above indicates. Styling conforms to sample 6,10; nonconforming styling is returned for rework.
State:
10,29
